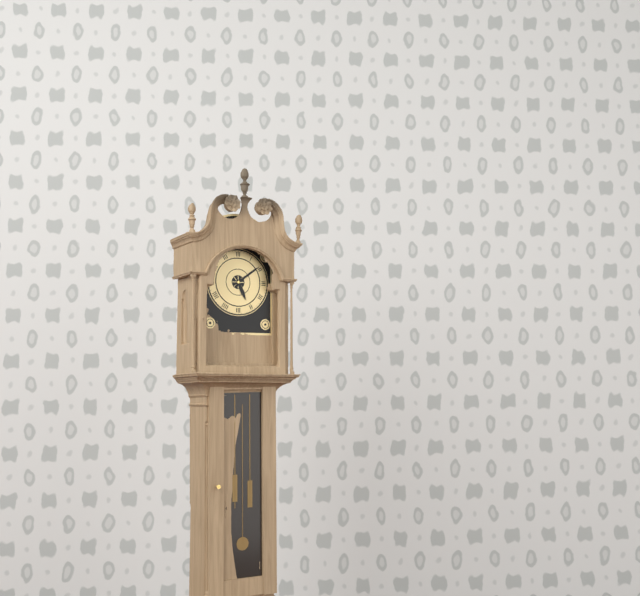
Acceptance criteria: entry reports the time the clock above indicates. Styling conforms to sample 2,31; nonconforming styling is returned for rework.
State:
5,09
